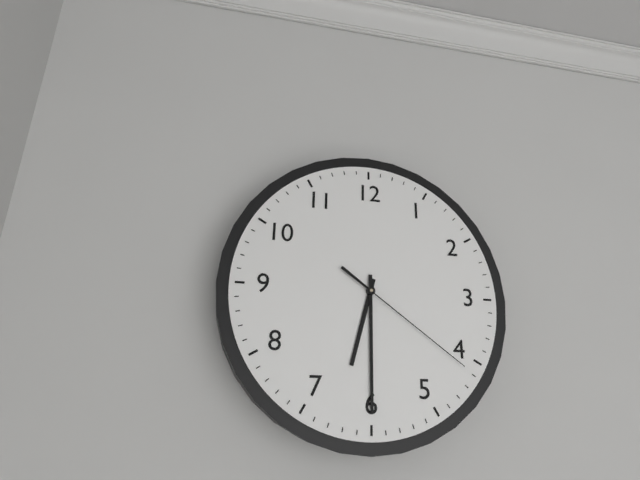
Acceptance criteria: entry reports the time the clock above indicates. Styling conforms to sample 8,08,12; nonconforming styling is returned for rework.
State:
6,30,21
